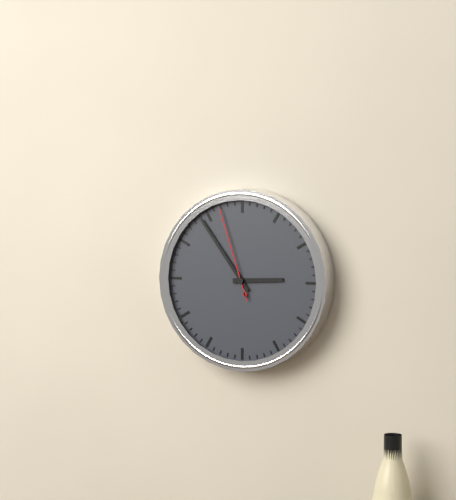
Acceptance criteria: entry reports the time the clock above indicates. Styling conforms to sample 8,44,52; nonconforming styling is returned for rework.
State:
2,54,57
